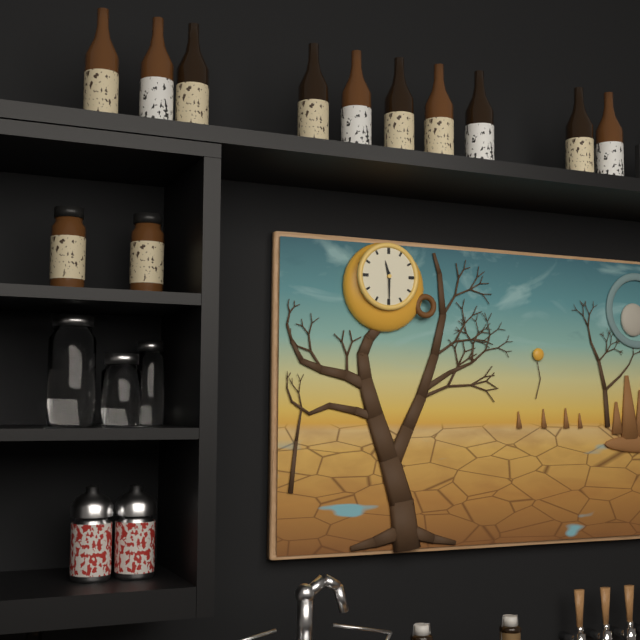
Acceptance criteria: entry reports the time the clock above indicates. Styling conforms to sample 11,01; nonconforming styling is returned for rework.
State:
11,30
